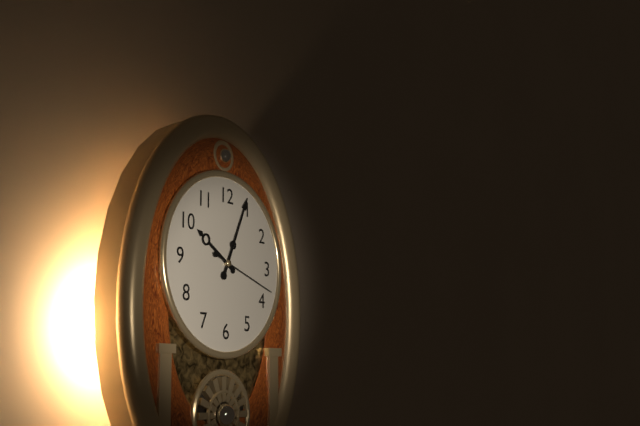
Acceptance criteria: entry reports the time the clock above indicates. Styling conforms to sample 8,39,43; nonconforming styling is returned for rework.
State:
10,04,18
